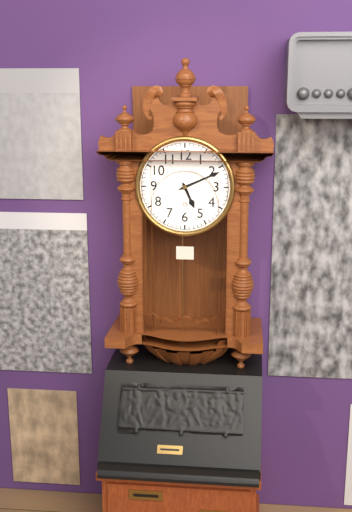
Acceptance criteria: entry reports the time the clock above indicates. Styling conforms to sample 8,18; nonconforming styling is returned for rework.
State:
5,11
